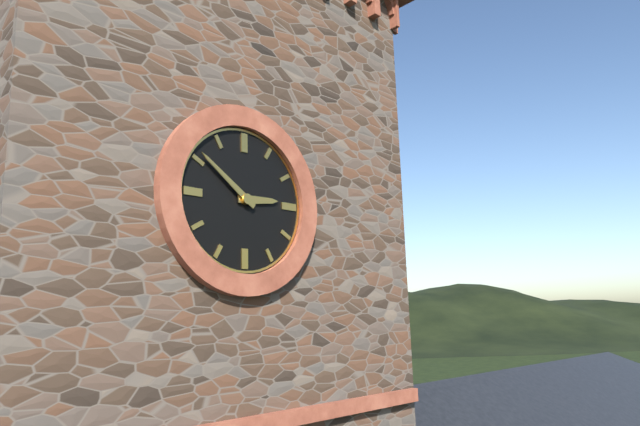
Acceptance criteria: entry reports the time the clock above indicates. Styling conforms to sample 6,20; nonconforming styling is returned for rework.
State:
2,51
